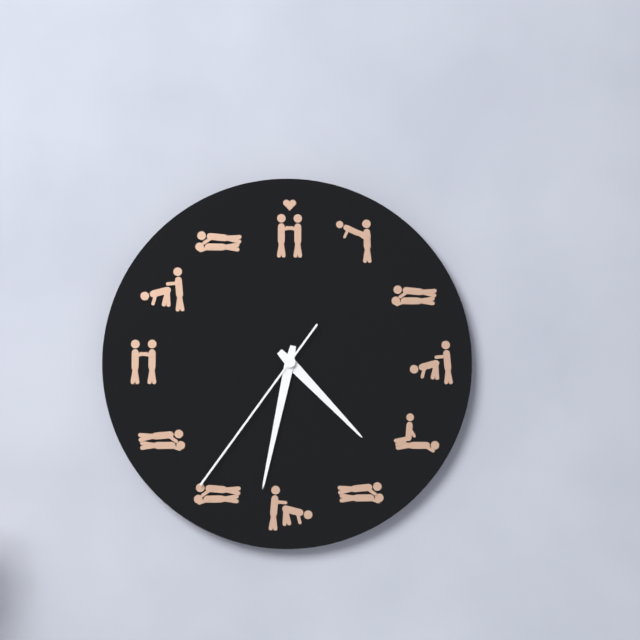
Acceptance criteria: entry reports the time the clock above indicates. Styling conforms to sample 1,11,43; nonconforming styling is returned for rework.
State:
4,32,36
